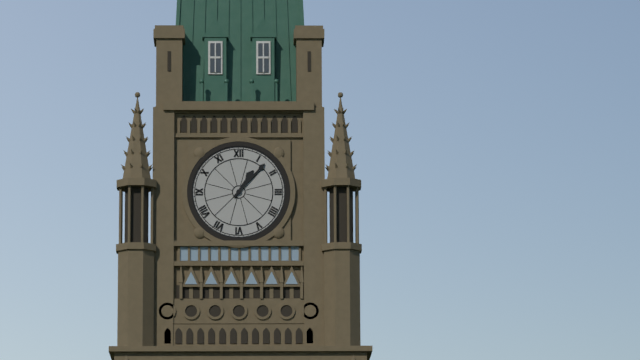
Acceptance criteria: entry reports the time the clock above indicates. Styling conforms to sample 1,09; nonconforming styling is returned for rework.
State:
1,07
